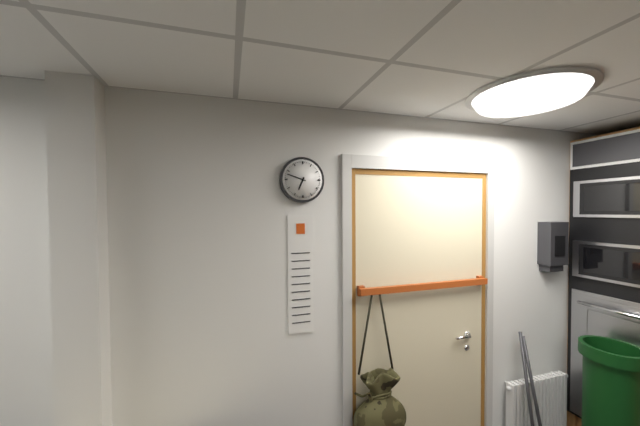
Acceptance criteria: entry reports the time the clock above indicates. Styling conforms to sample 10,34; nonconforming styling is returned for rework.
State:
6,48
